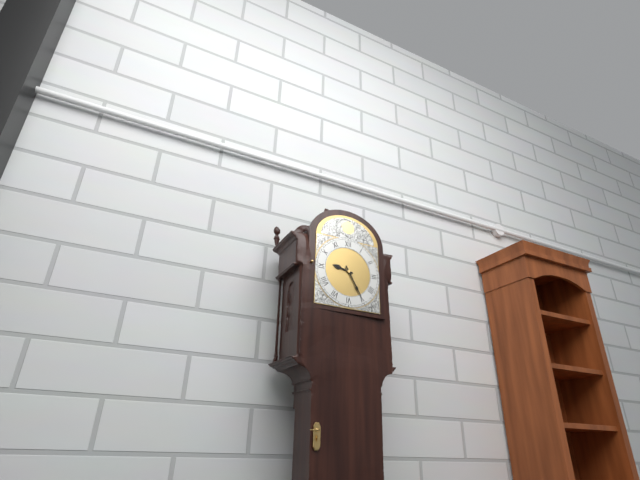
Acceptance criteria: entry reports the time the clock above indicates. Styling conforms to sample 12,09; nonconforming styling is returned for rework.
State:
9,25
